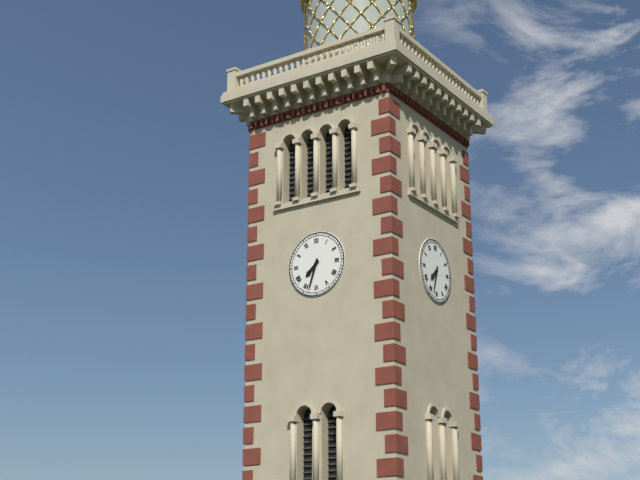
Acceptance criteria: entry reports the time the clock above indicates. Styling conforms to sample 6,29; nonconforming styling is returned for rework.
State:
7,33
